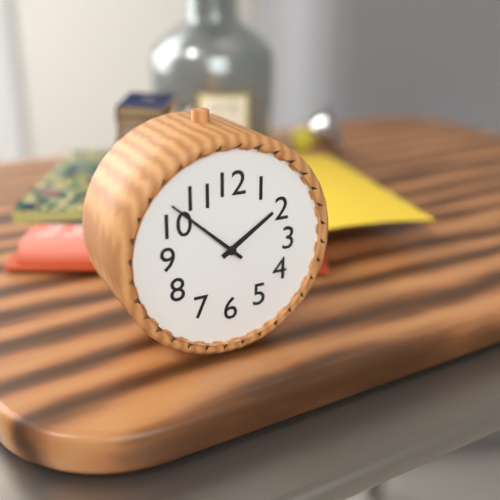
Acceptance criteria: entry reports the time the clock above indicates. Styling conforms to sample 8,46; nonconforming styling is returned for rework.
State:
1,52
